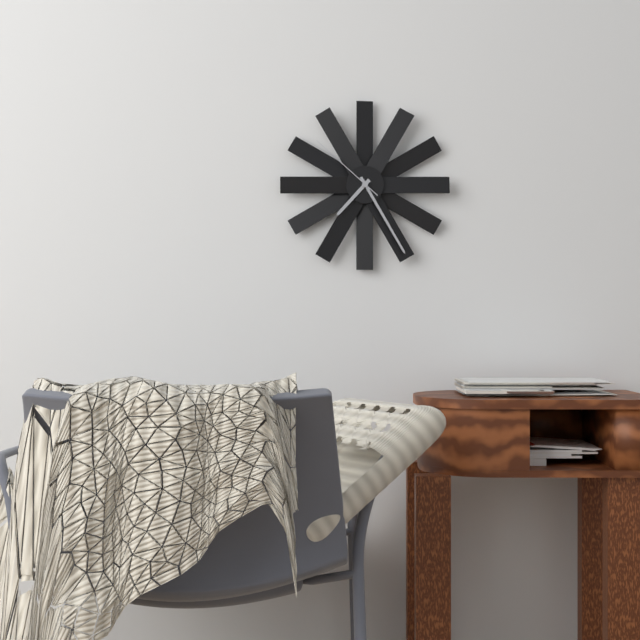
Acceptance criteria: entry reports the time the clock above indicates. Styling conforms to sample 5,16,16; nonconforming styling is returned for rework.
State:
7,25,52
